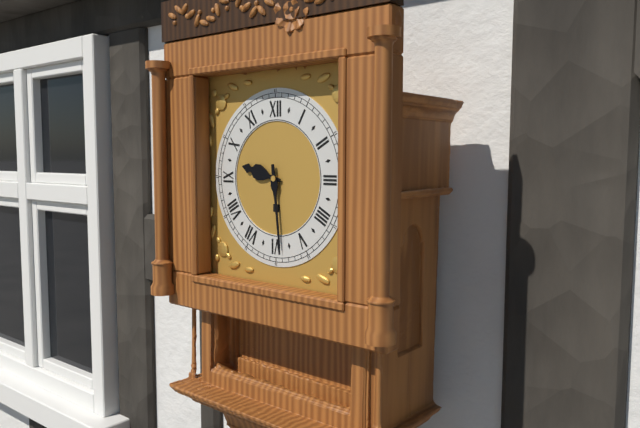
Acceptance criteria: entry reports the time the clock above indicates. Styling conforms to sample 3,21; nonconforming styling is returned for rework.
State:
9,29
